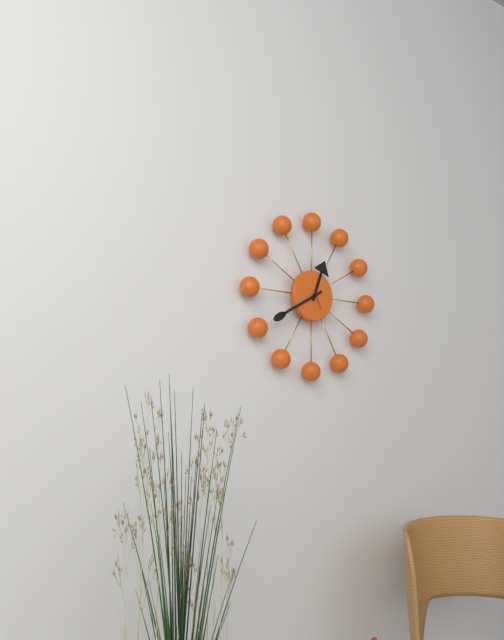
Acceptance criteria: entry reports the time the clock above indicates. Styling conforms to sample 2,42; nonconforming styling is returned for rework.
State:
12,40
